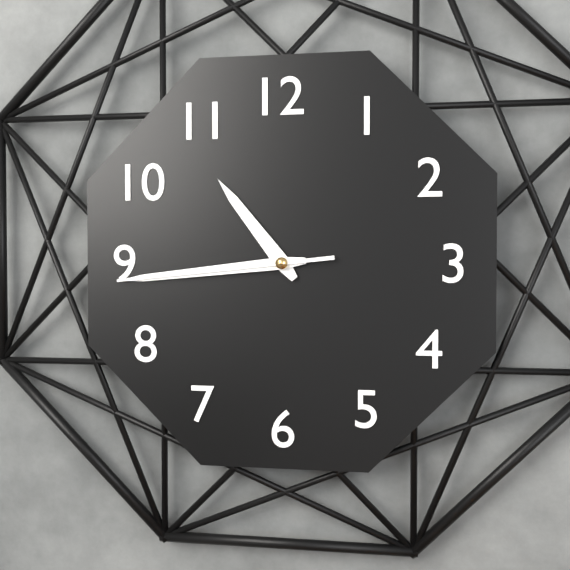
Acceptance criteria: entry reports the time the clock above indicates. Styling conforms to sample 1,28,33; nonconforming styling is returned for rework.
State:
10,44,44
